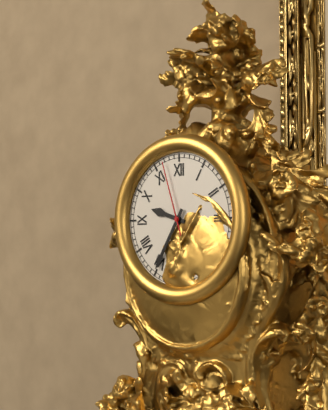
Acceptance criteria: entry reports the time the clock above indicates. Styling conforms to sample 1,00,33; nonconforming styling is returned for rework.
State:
9,35,57
